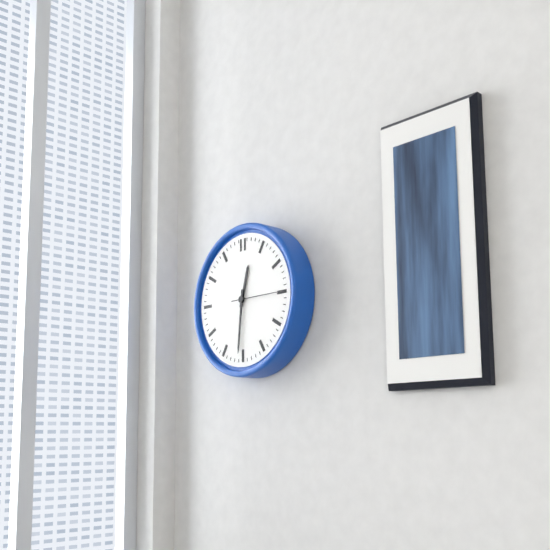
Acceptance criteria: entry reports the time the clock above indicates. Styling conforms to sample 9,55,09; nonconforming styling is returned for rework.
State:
12,31,15
